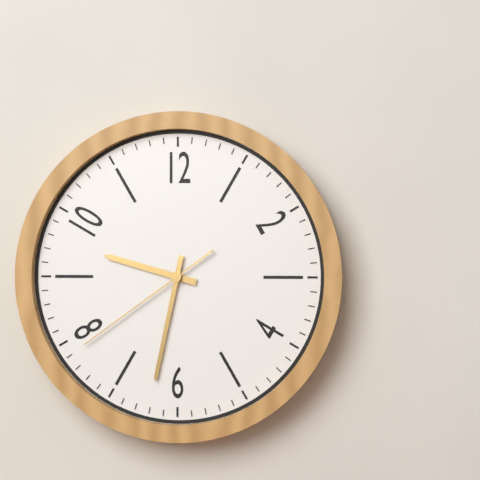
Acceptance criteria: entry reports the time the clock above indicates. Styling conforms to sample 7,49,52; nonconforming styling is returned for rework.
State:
9,32,39
